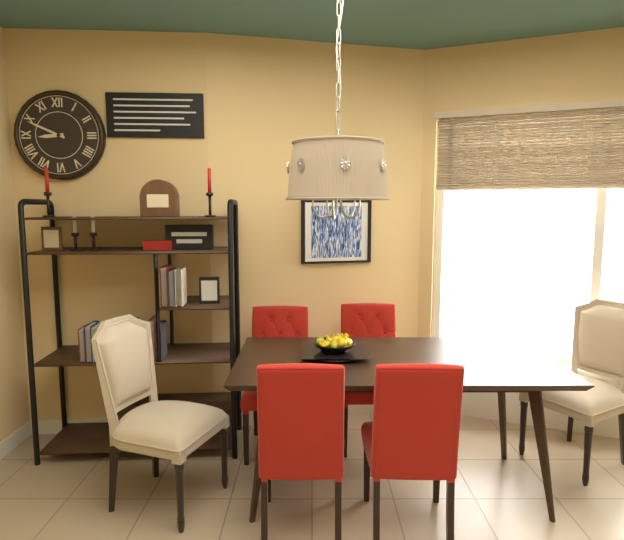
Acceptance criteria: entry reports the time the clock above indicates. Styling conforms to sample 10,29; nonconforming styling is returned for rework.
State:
8,49
